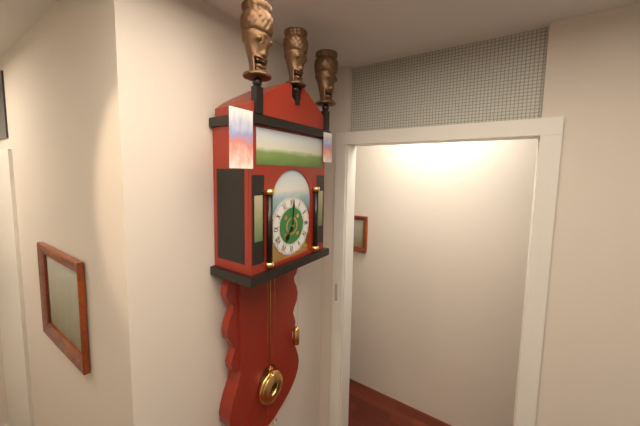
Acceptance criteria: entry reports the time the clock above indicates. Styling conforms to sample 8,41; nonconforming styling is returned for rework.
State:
7,01
